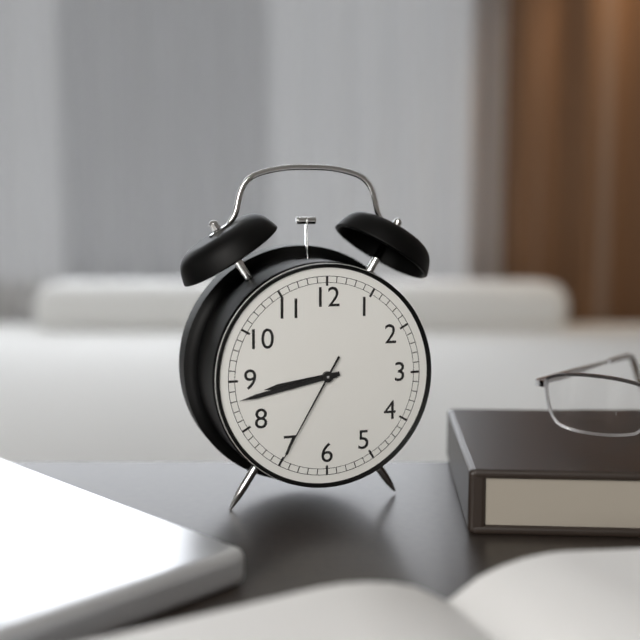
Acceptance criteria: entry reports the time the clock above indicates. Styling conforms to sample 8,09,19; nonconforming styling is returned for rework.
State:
8,43,35
